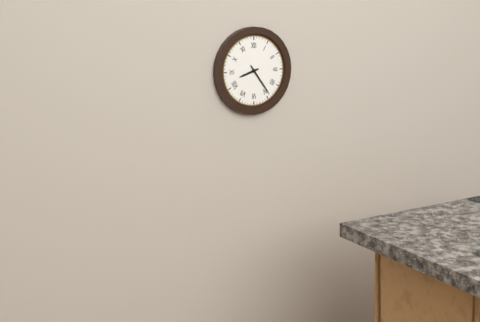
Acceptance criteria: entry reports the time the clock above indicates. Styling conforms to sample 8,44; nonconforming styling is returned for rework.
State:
8,24
